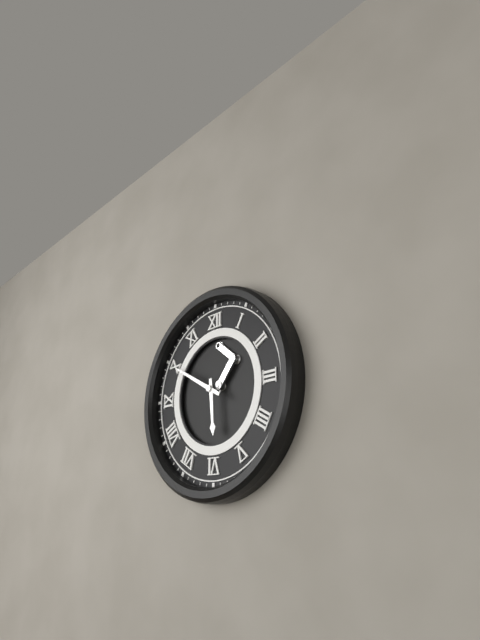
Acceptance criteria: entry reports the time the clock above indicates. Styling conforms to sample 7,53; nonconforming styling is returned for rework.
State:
5,50
